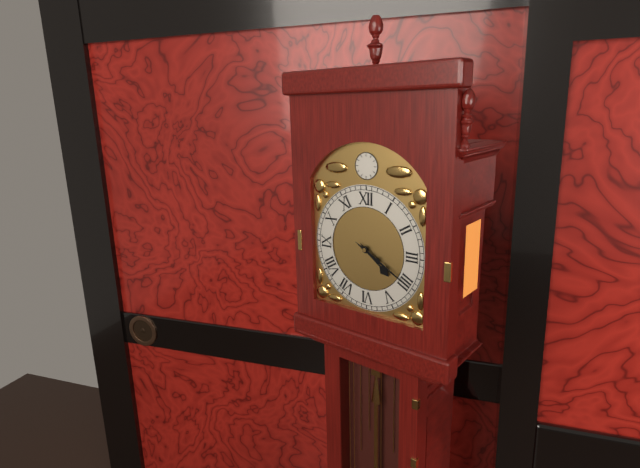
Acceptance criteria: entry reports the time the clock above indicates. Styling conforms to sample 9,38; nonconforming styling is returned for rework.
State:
4,20
